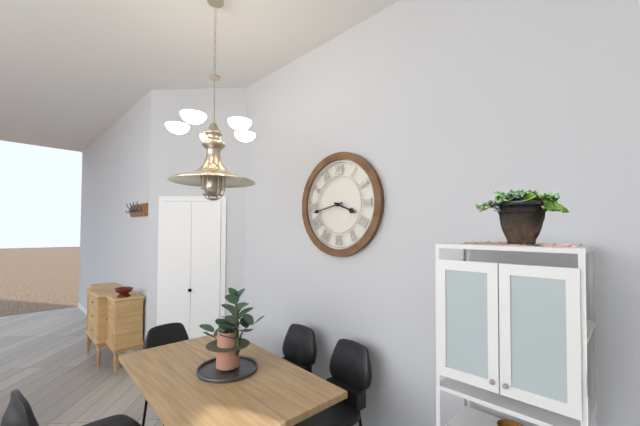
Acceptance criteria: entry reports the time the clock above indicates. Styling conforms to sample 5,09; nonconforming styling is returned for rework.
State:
3,43
